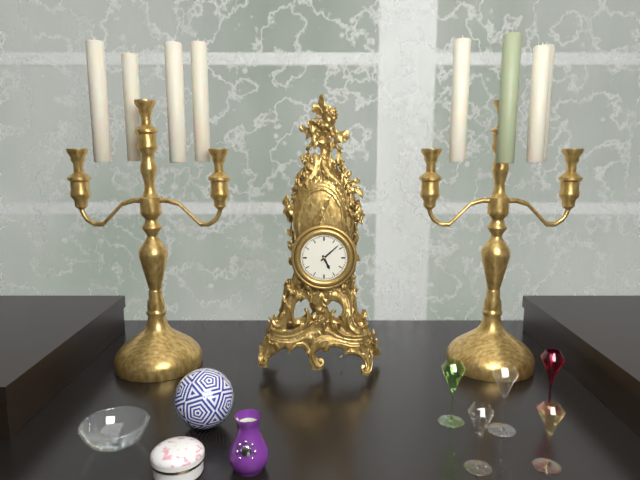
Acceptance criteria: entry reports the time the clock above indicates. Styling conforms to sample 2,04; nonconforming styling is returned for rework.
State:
5,08
